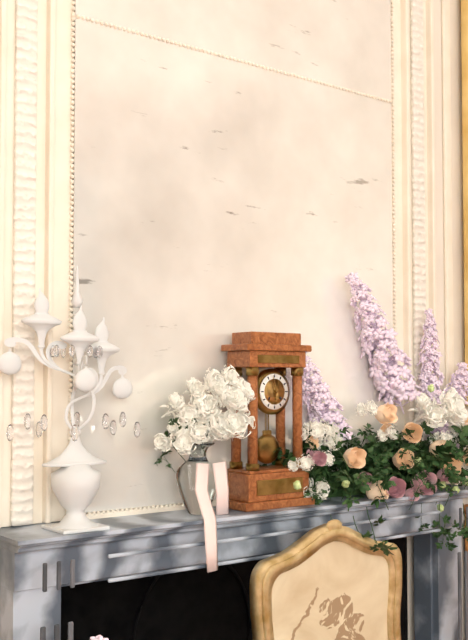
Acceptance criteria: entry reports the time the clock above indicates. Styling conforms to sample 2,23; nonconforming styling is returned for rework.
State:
5,58
